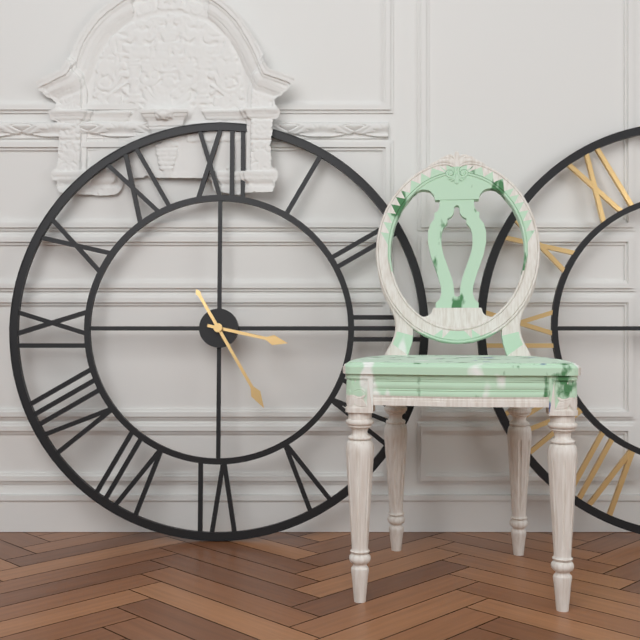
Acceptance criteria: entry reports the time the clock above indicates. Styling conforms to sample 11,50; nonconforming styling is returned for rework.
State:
3,25
